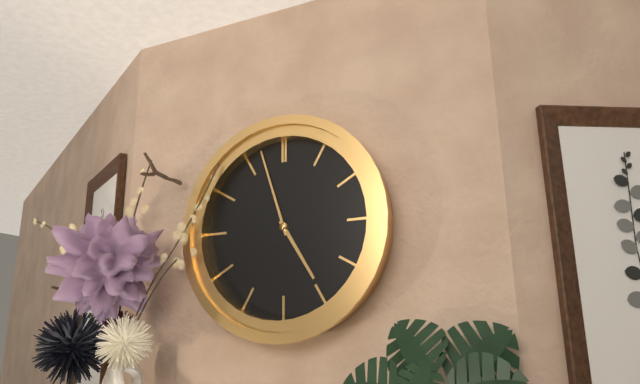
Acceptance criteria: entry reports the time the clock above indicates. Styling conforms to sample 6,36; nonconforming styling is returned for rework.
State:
4,57
